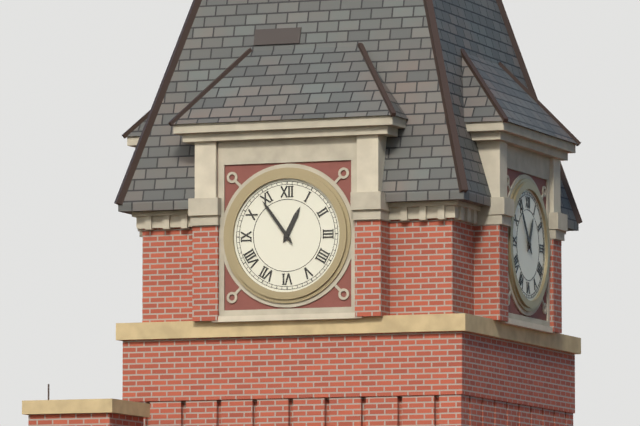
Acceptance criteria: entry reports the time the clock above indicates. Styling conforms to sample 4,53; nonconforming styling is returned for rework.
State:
12,54
